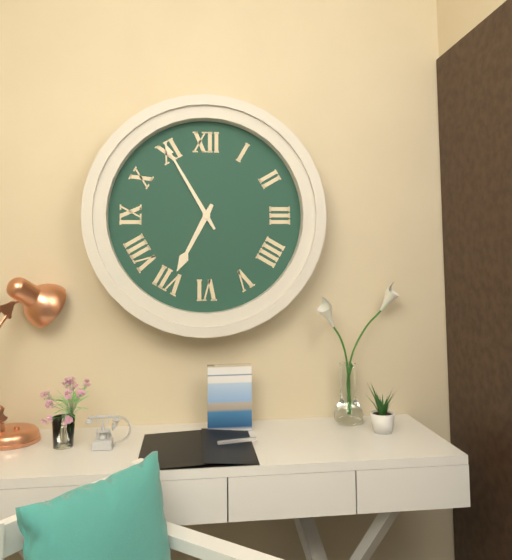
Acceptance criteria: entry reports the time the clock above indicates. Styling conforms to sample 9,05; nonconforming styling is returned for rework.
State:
6,55
